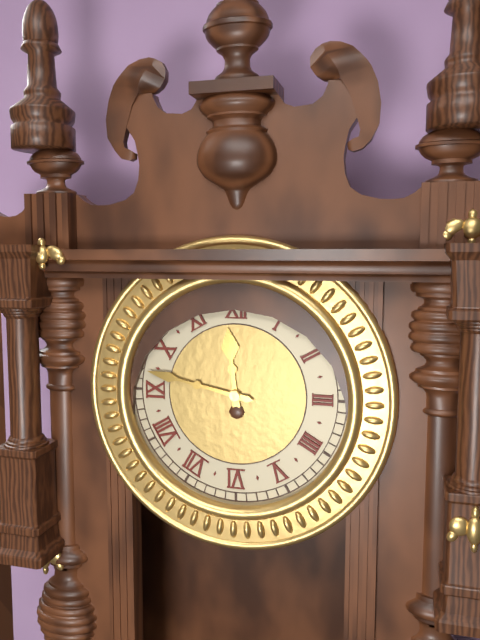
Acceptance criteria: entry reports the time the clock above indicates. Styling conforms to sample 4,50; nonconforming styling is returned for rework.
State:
11,47
